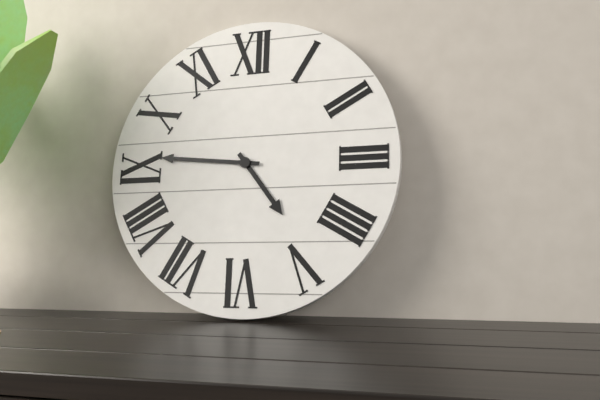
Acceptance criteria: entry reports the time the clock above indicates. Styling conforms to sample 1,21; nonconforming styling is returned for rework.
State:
4,46
